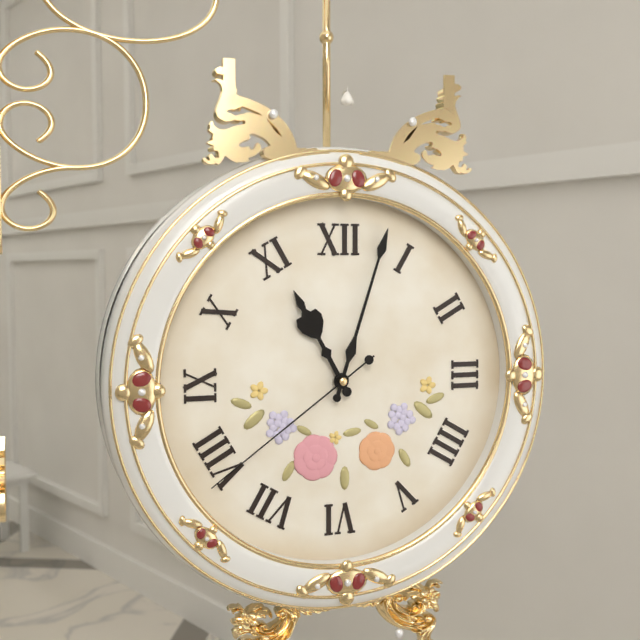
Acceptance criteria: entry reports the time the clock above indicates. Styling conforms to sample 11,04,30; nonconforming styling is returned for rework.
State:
11,03,39
